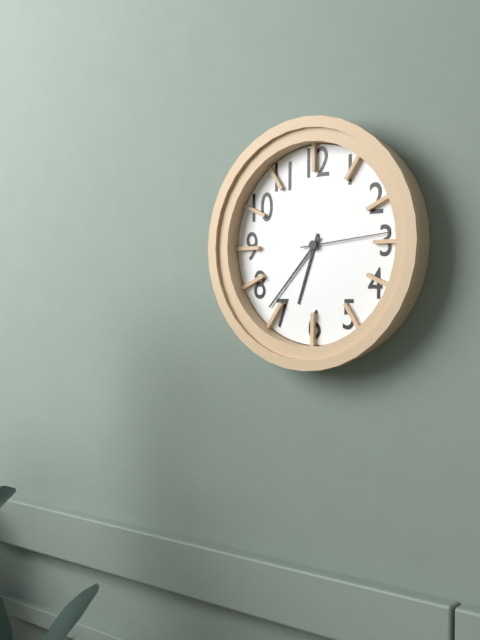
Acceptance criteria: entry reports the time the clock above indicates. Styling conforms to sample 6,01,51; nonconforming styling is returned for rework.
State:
6,37,14
